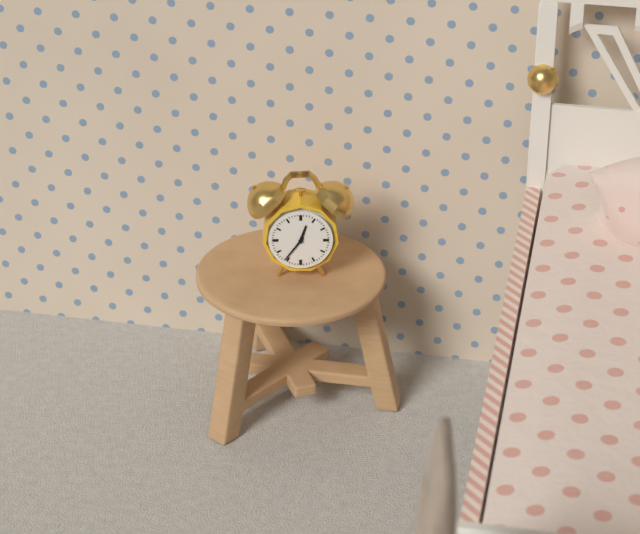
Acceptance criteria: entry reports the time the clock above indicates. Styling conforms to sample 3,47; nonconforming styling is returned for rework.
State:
12,36
